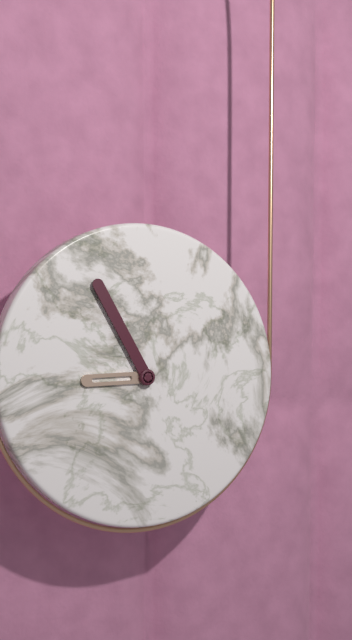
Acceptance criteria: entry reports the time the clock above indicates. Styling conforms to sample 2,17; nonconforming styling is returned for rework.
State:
8,55
